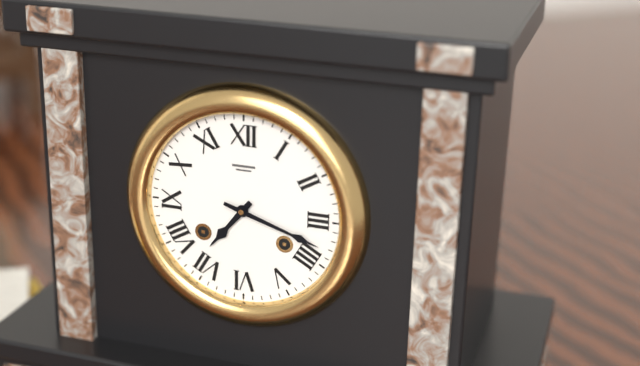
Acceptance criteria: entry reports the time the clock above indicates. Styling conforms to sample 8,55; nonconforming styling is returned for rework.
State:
7,18
